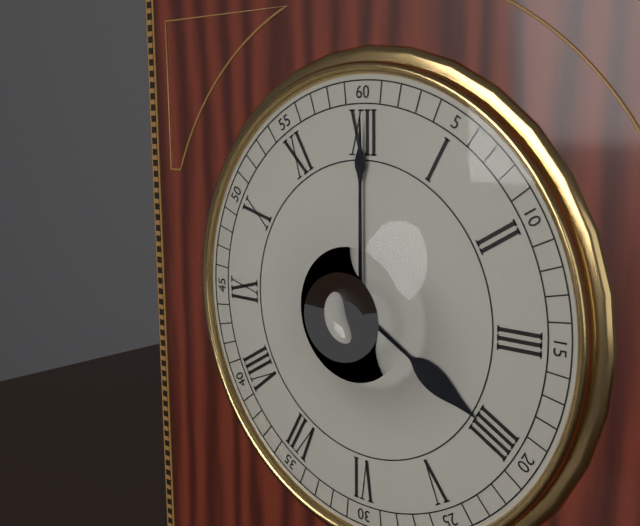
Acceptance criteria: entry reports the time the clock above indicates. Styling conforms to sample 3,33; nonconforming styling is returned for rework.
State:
4,00
